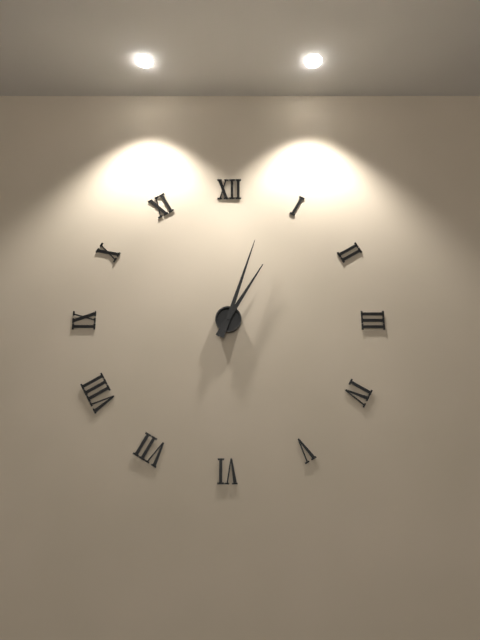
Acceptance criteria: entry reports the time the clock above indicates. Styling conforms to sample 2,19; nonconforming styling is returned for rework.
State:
1,03
